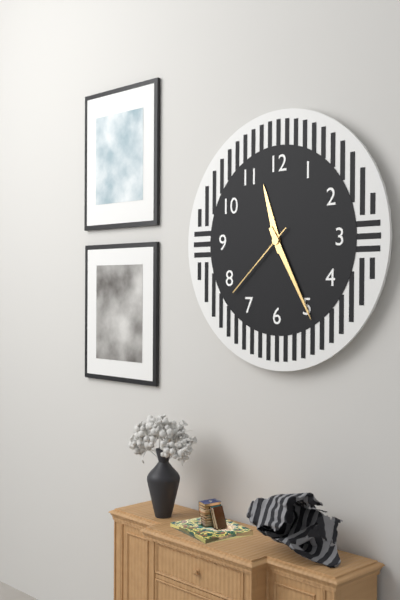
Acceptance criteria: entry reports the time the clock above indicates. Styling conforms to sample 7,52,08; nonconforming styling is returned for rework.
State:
11,25,38
